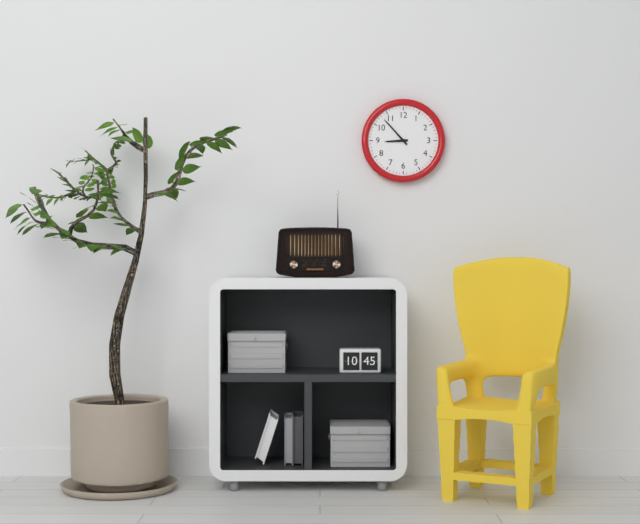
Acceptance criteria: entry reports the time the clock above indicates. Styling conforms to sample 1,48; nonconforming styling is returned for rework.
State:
8,53
